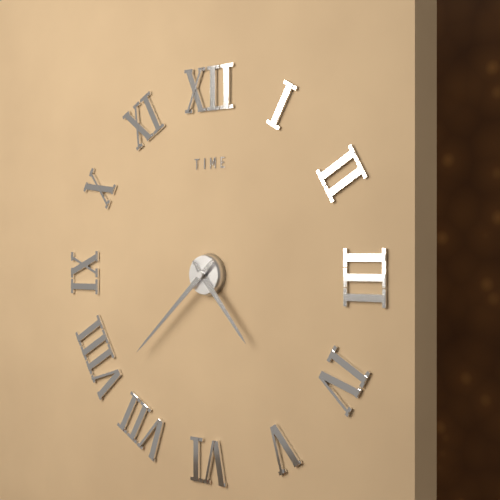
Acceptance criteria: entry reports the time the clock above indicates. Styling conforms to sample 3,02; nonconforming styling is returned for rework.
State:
4,38
